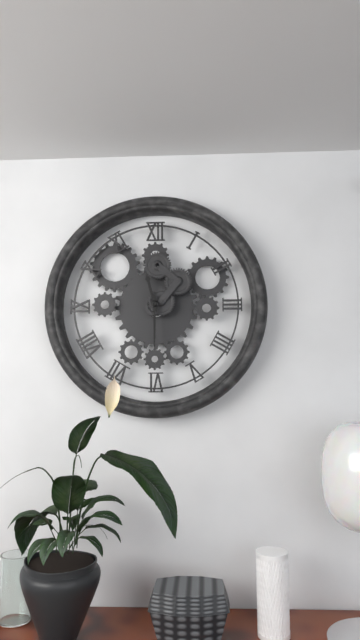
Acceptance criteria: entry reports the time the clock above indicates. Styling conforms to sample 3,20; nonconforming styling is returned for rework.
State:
11,30
